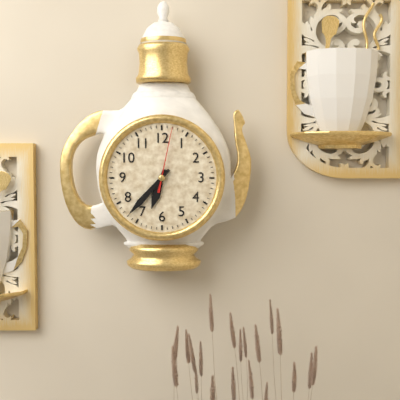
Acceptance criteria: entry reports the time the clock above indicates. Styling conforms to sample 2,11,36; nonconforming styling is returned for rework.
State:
6,37,02
